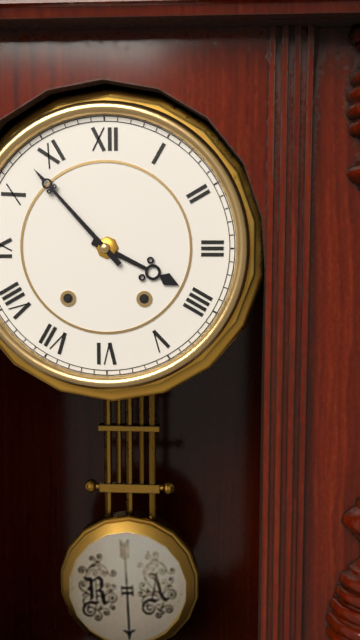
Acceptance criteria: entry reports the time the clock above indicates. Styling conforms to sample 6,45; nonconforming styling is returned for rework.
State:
3,53
